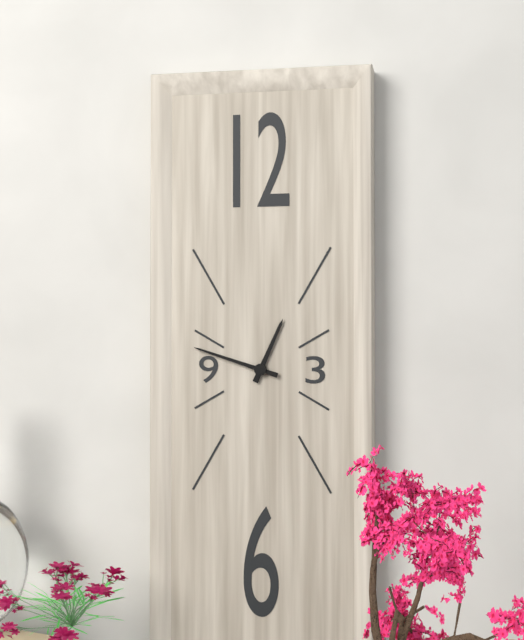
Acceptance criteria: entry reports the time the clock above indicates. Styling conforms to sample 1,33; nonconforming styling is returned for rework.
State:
12,48
